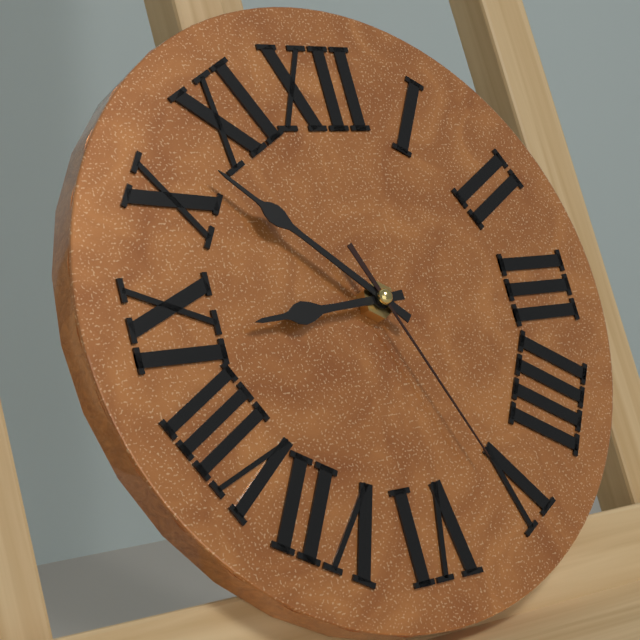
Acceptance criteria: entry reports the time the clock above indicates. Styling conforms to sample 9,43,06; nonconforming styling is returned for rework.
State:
8,52,26
